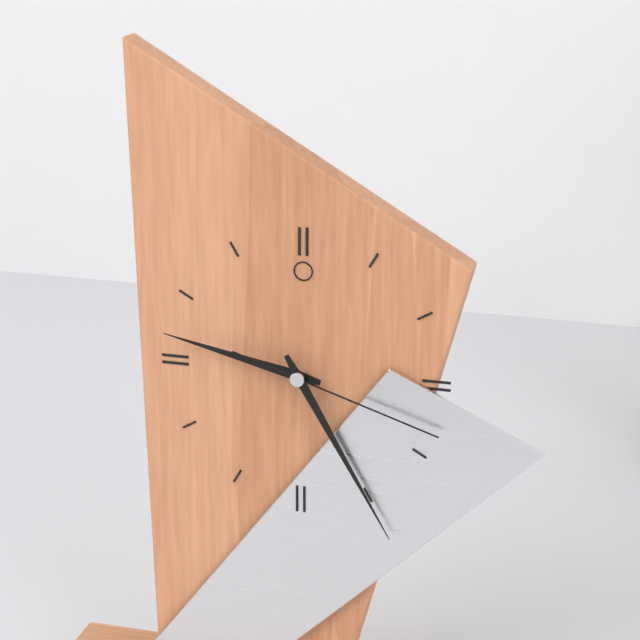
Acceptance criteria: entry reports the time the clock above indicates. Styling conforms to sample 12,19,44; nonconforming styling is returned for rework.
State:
9,25,18
